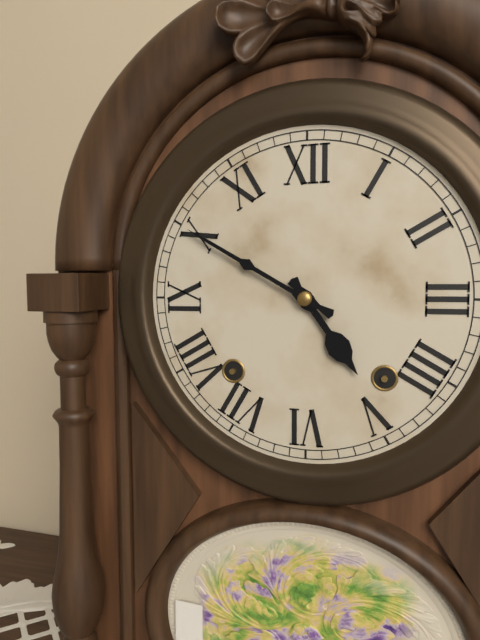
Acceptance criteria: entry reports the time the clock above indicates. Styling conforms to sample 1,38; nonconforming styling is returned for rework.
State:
4,50
